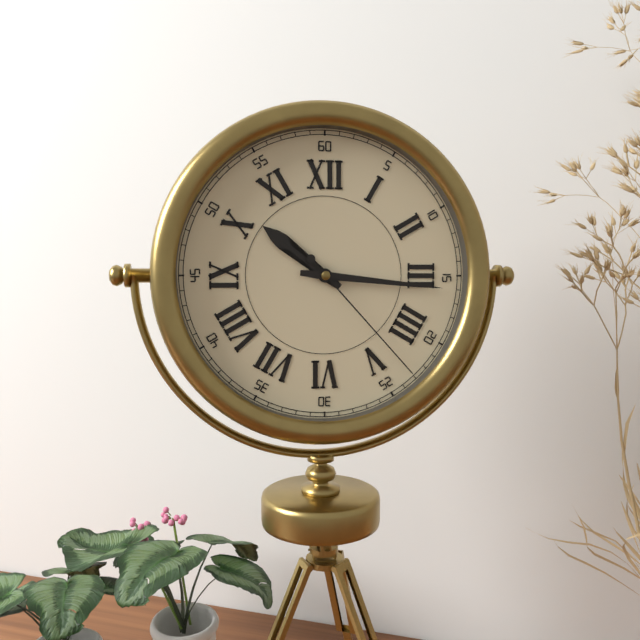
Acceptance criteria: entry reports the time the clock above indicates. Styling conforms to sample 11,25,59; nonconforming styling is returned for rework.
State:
10,16,23
